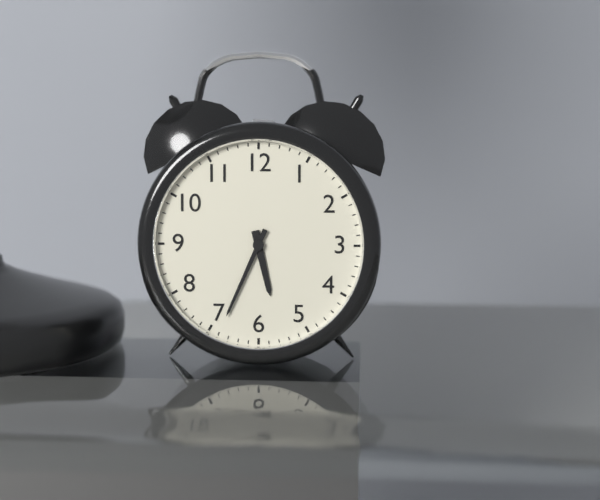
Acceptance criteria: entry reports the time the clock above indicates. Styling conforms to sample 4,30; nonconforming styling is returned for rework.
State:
5,34
